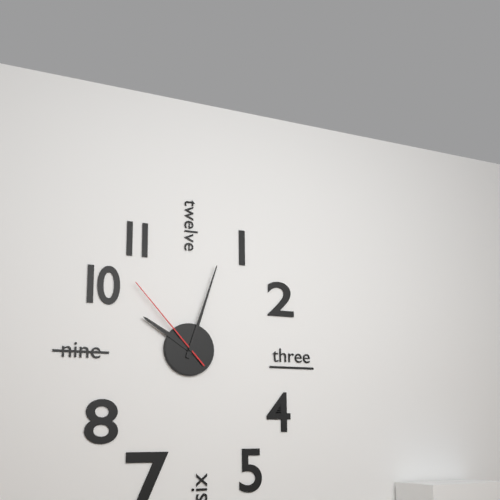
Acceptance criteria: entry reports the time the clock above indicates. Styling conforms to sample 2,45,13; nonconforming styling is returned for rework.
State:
10,03,53
